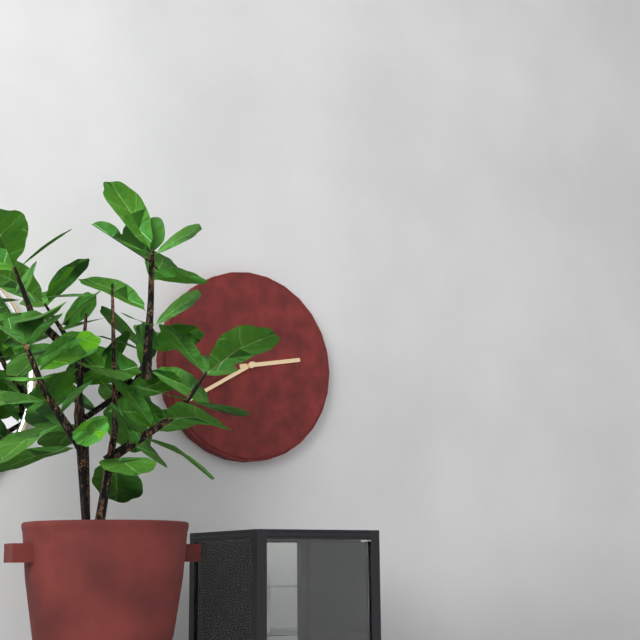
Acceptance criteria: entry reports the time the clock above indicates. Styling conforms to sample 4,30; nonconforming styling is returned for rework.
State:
2,40
